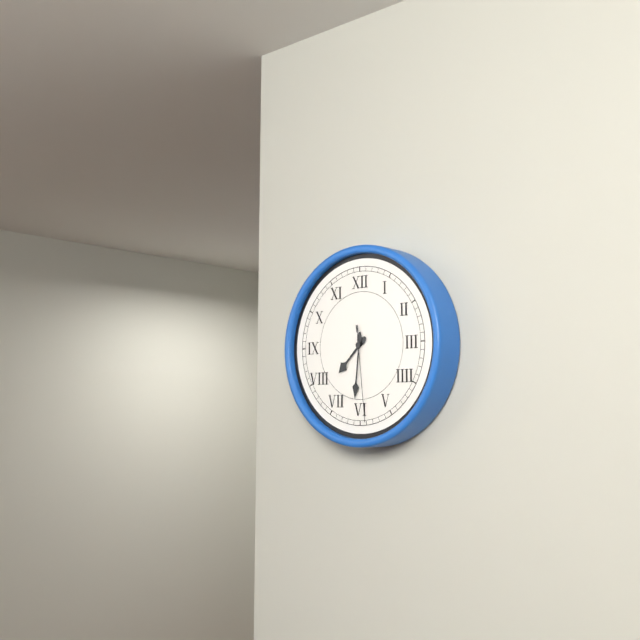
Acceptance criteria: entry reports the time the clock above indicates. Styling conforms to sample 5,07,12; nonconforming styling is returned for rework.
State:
7,31,29
